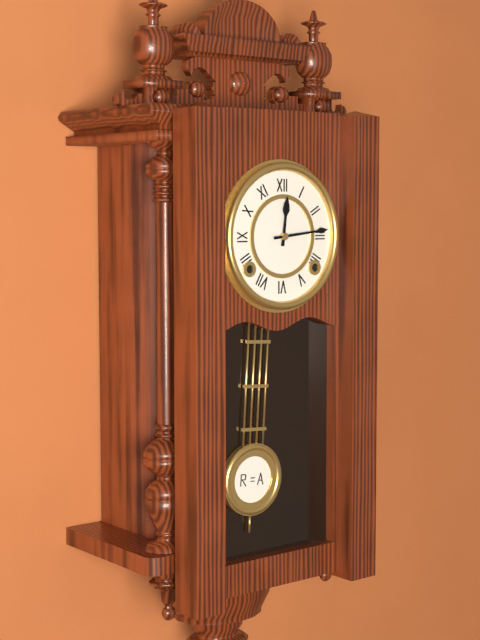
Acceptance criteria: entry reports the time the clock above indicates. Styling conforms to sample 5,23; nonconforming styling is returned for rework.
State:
12,14
